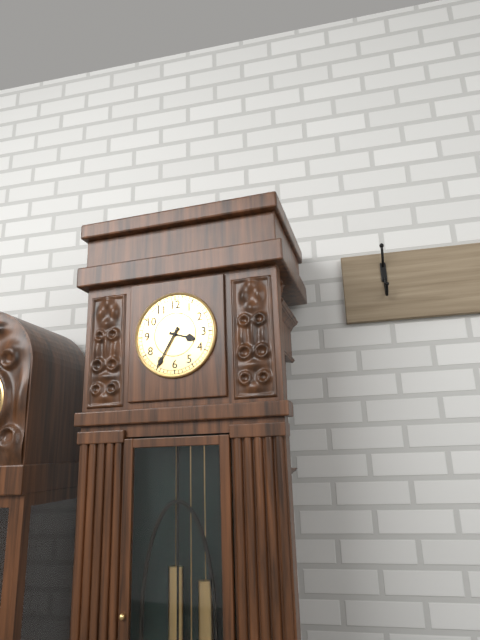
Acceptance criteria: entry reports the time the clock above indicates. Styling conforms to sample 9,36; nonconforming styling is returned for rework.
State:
3,35
